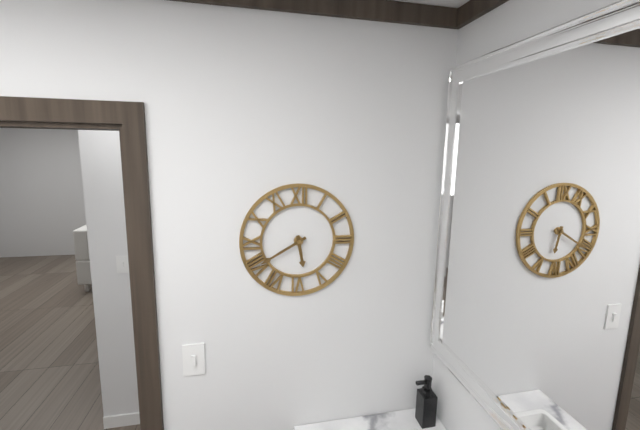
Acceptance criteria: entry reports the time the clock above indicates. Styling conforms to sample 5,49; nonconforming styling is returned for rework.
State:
5,40
